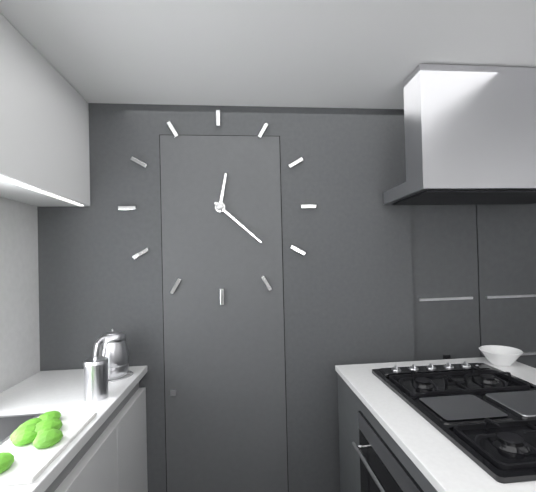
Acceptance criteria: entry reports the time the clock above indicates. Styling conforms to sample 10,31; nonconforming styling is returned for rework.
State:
12,22
